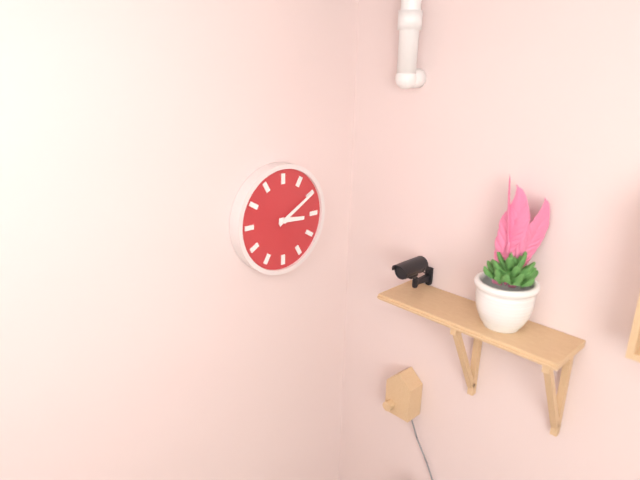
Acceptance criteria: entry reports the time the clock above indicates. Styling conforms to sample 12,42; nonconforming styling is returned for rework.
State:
3,10
